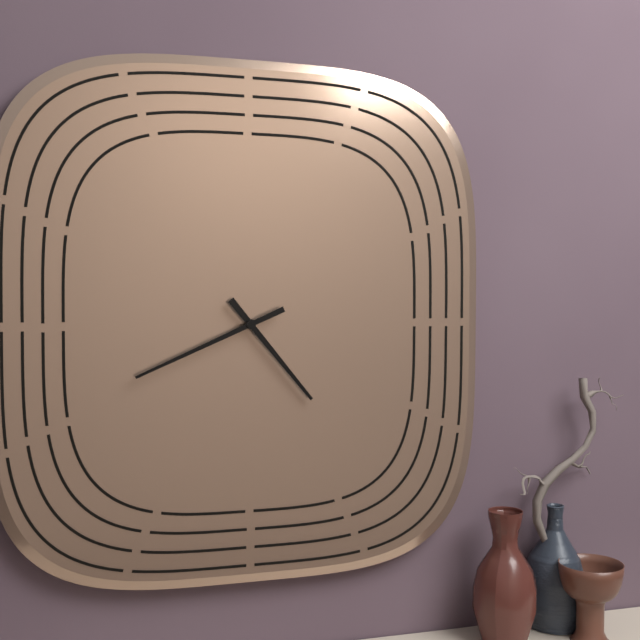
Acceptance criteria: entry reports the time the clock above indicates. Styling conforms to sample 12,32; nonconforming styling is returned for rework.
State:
4,41
